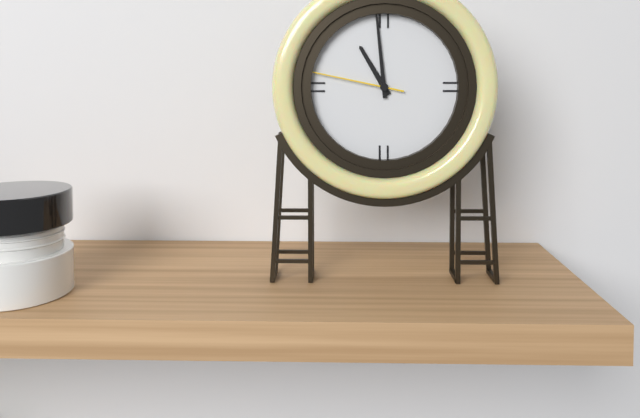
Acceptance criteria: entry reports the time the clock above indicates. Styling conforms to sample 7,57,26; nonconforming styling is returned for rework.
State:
10,59,47
